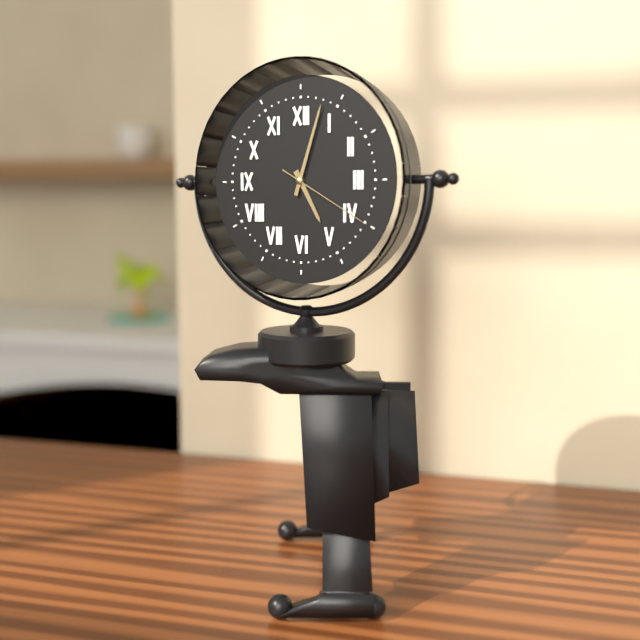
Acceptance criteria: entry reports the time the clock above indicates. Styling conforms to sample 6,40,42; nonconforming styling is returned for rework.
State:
5,03,20
